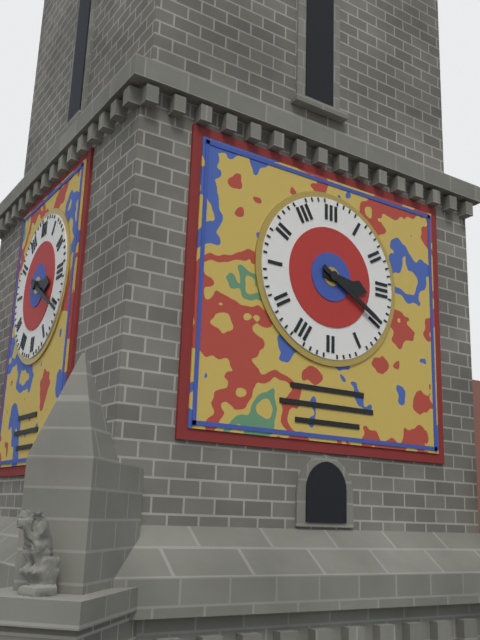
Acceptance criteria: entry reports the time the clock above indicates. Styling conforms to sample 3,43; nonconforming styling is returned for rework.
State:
3,20
